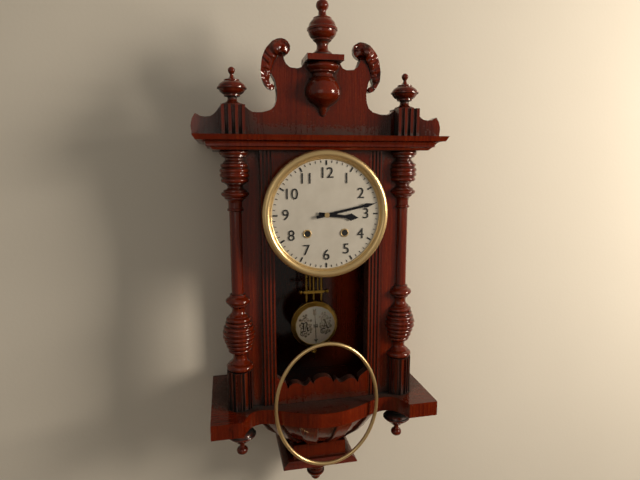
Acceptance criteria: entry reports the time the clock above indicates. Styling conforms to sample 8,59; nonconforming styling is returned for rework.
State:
3,13
